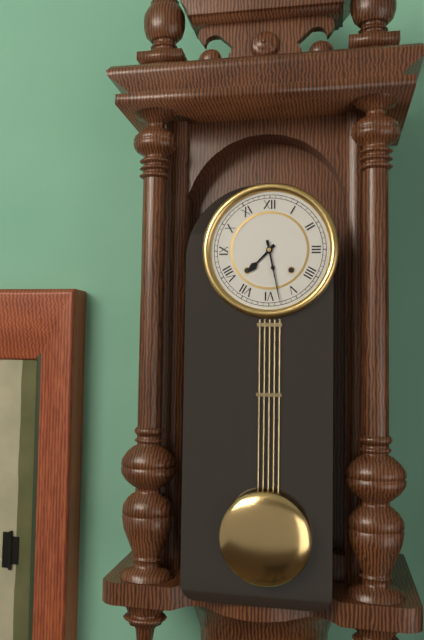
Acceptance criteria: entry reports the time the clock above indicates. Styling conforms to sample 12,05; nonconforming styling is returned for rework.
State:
7,28
